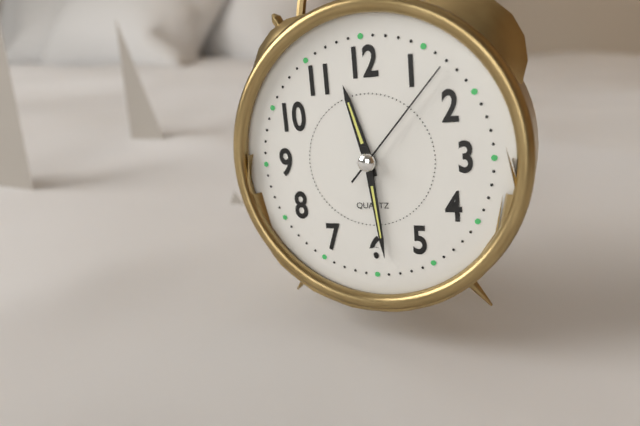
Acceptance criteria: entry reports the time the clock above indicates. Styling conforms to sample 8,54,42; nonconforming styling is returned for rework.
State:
11,29,07
